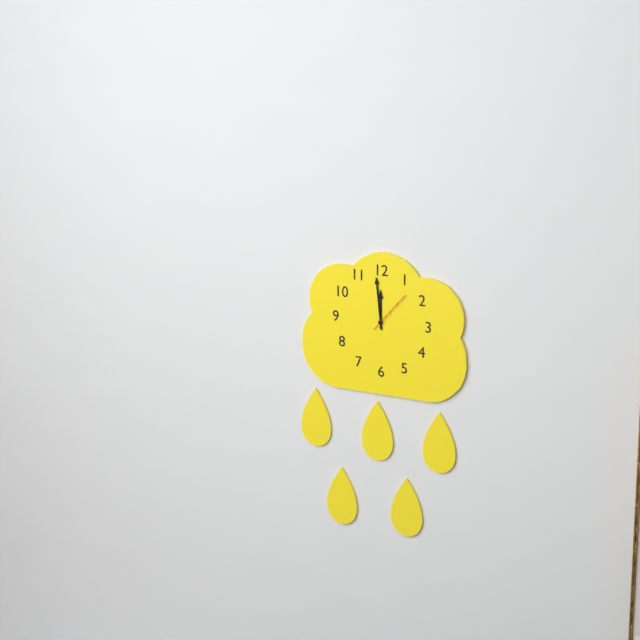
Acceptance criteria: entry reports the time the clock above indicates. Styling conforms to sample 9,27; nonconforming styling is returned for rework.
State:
11,59
